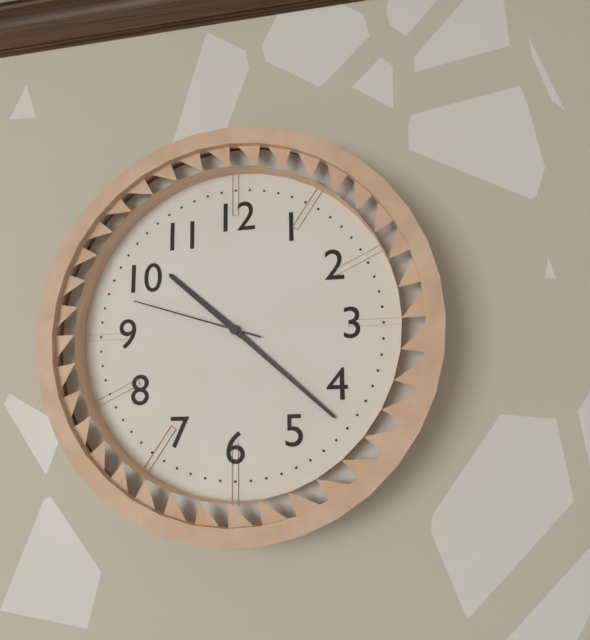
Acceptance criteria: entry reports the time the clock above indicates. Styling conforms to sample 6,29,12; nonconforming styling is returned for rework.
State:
10,22,48
